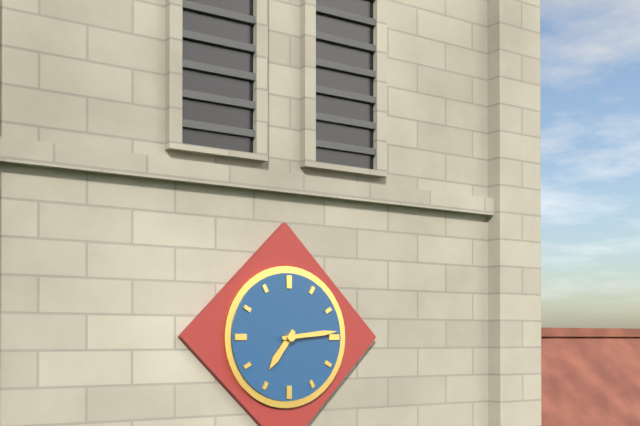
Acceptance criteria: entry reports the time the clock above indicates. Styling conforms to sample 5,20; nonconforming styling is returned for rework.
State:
7,14
